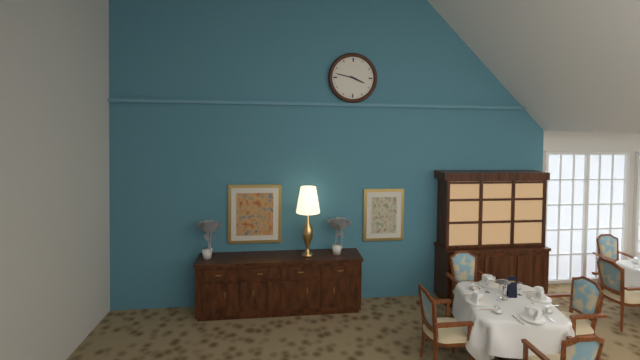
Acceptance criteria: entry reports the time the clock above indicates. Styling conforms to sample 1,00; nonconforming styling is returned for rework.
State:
3,47
